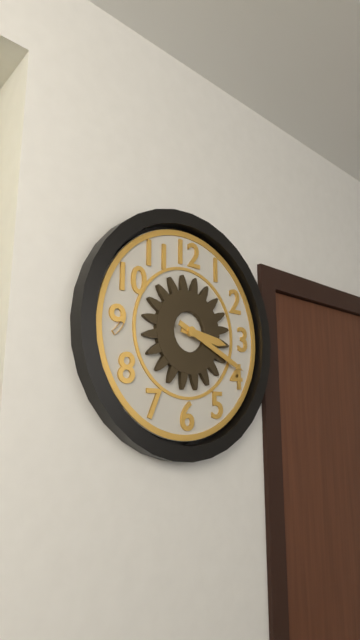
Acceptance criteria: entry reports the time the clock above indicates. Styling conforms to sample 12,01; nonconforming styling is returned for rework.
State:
3,19
